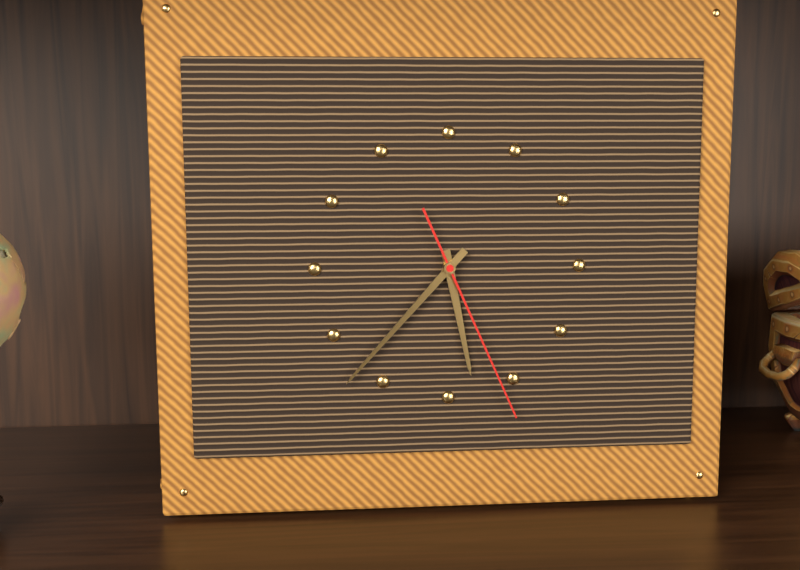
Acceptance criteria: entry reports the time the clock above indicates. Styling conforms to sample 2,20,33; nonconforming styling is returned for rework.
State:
5,37,26
